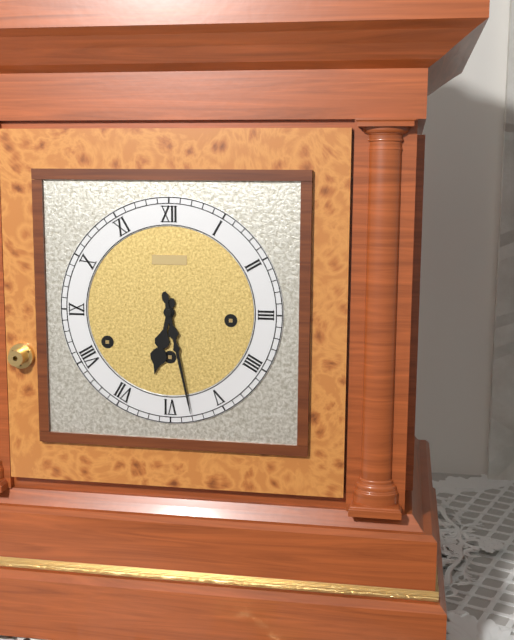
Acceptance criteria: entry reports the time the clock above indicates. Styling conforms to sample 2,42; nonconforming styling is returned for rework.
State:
6,28
